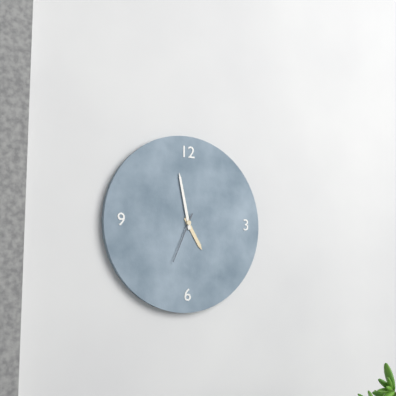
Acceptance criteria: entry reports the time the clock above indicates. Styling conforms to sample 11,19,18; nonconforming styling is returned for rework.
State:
4,58,34
